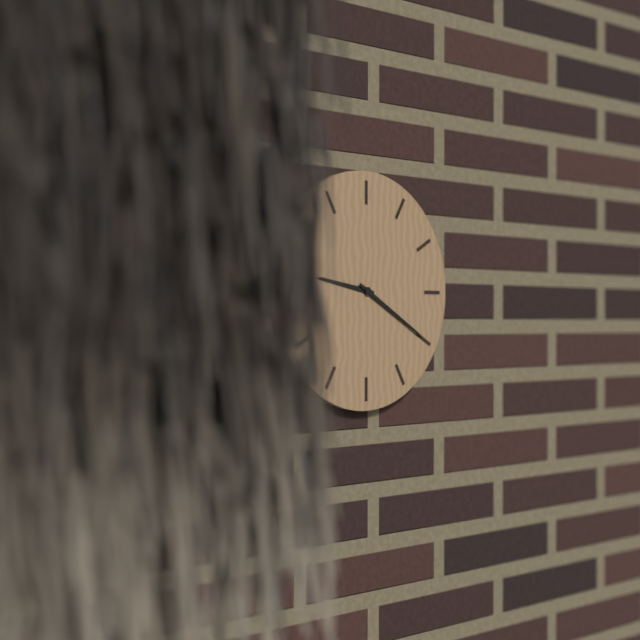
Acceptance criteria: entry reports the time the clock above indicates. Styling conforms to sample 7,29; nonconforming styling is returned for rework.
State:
9,20
